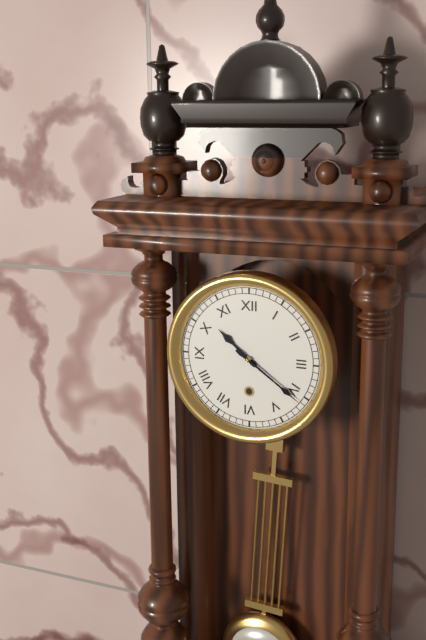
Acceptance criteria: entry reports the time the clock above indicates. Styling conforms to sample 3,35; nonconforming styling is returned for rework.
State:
10,21
